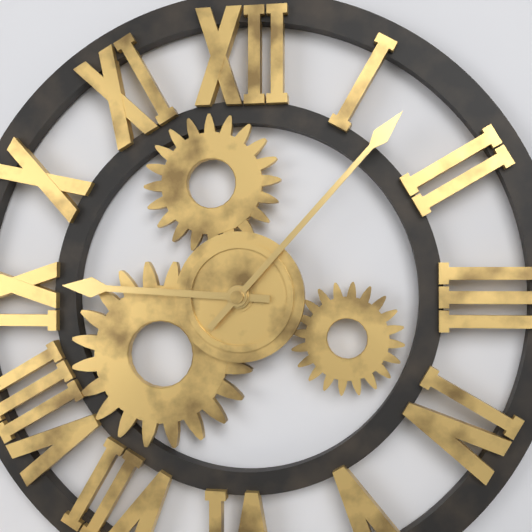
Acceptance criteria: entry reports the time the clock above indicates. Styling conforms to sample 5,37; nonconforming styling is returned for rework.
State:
9,07
